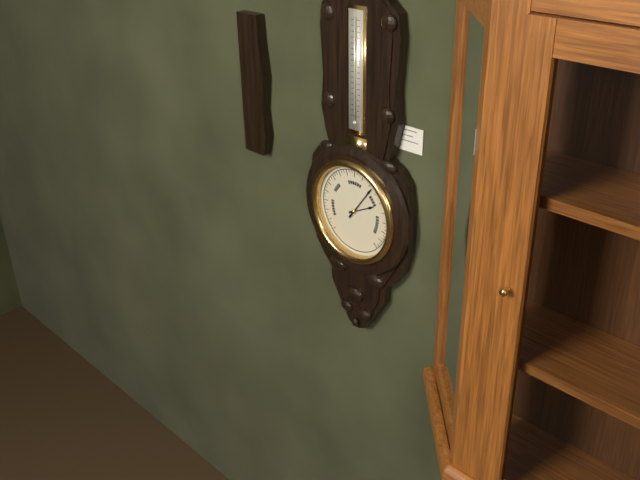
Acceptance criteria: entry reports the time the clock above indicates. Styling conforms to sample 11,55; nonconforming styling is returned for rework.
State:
2,06
